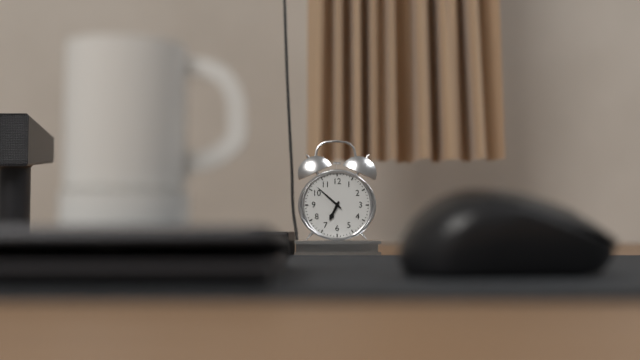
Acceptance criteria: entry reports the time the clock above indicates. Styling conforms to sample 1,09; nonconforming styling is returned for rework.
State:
6,52
